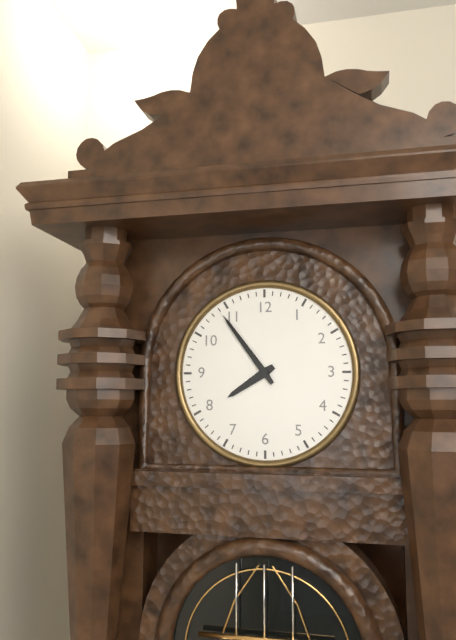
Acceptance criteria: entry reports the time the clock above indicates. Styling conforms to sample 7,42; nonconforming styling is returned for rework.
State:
7,54
